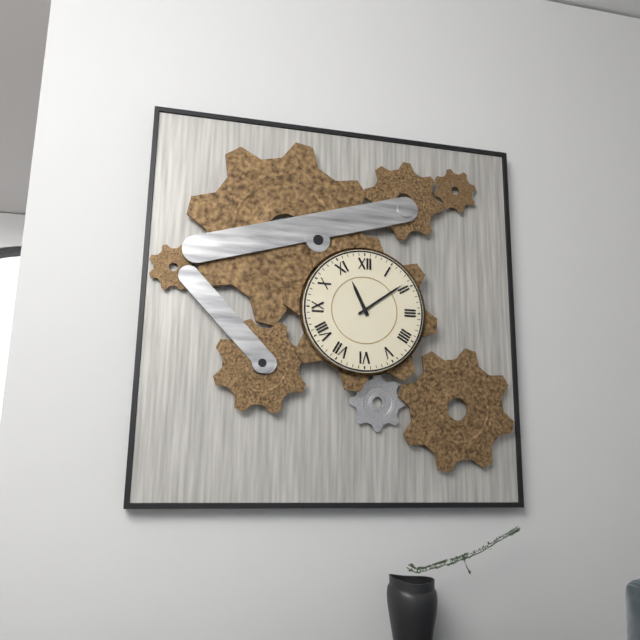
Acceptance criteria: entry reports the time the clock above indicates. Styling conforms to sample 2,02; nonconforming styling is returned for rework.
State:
11,09
